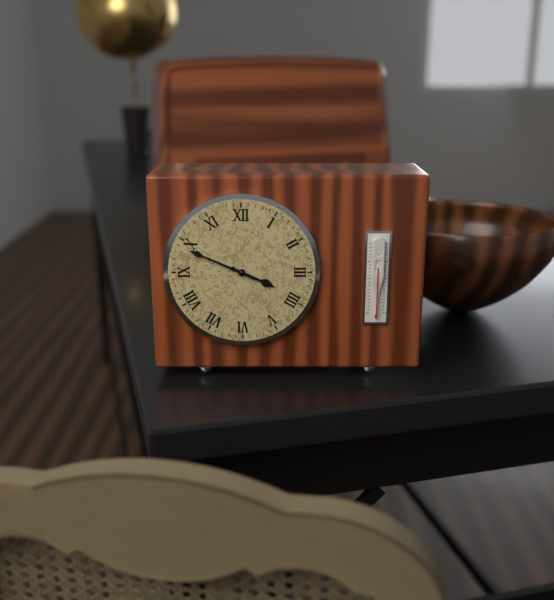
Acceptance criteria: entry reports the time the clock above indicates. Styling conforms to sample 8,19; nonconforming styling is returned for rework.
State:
3,49
